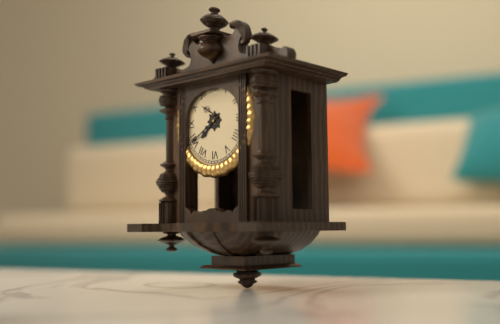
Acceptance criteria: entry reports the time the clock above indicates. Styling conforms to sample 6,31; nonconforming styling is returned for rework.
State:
7,40
